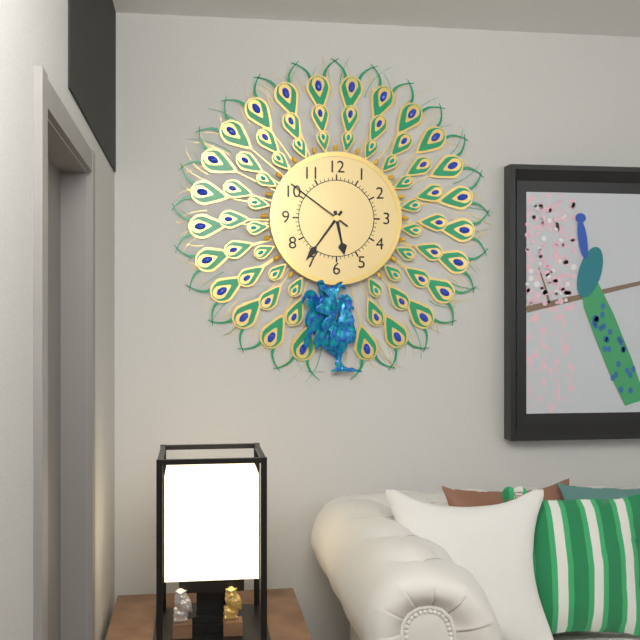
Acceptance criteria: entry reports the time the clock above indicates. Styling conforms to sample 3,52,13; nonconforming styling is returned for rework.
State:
5,36,51
